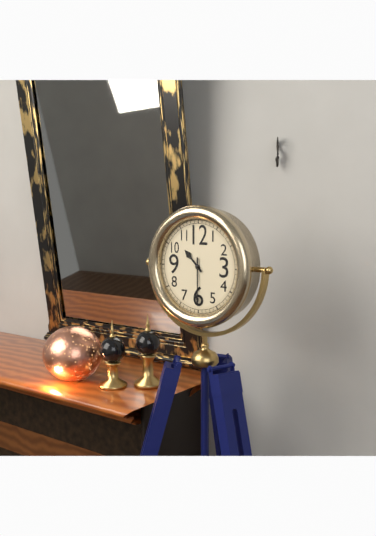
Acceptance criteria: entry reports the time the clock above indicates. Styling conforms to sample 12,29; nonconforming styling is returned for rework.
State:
10,30
